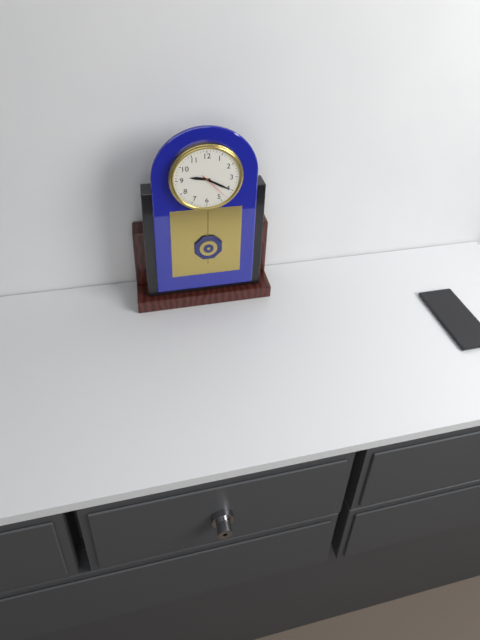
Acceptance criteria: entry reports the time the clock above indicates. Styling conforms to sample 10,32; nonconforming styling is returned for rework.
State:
9,20
